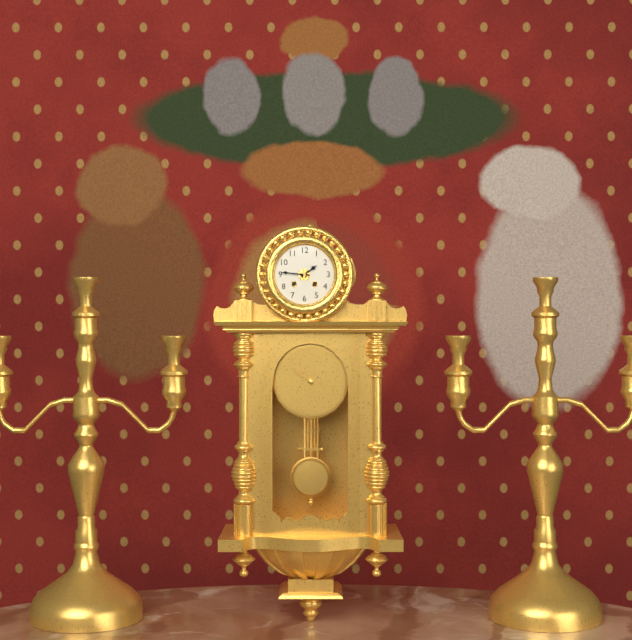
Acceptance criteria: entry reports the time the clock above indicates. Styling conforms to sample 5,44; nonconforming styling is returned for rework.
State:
1,46
